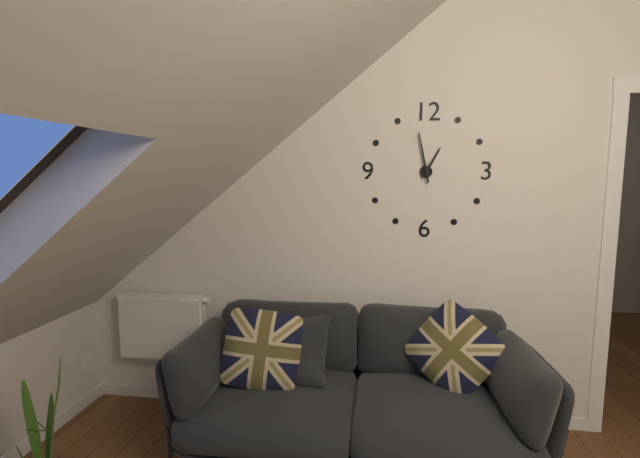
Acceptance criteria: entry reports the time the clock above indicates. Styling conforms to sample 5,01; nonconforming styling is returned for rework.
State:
12,58
